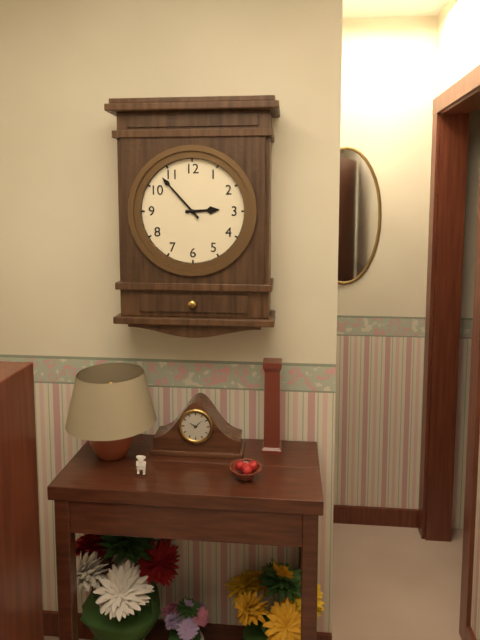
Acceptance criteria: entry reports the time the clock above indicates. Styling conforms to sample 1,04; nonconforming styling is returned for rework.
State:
2,53
